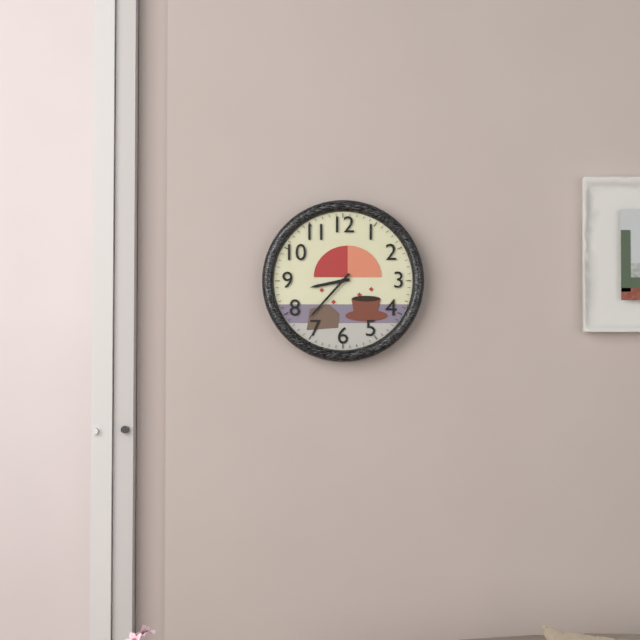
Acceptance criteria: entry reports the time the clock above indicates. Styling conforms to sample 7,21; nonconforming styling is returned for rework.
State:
8,37
